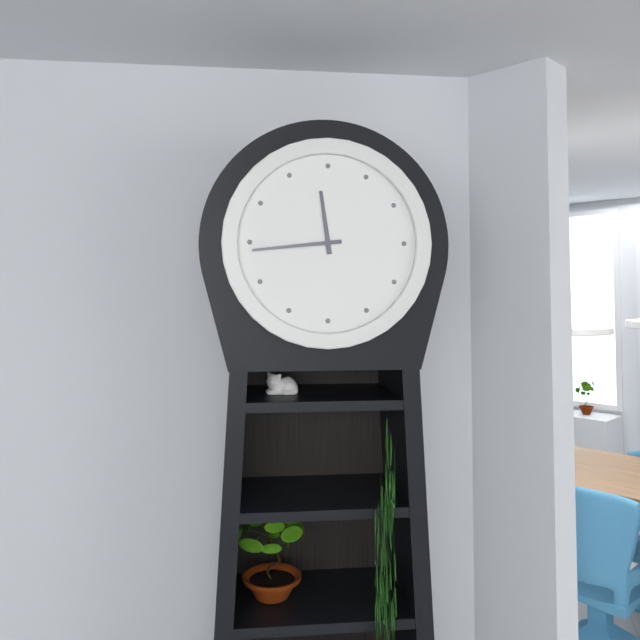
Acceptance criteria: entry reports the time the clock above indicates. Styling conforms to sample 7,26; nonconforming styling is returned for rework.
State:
11,44
